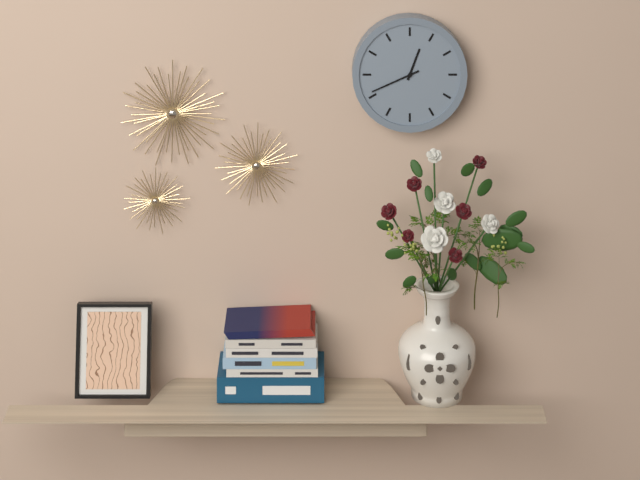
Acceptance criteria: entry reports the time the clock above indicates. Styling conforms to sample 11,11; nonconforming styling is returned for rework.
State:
12,41
